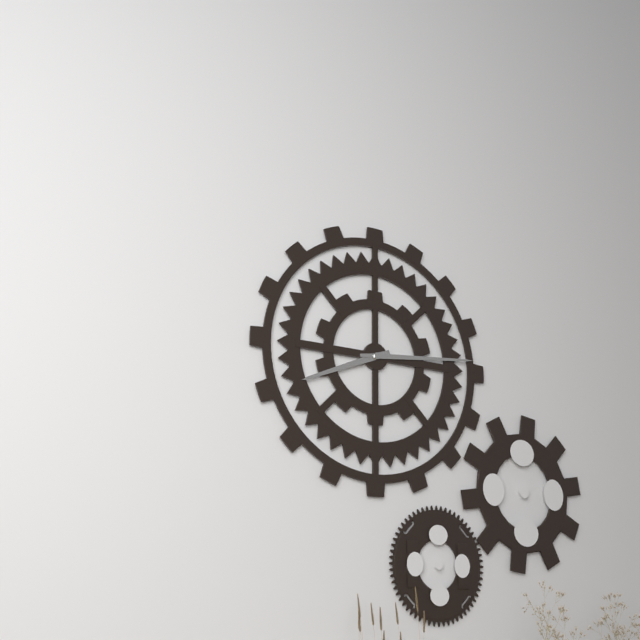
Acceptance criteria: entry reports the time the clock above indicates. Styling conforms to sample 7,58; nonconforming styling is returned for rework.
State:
8,14
